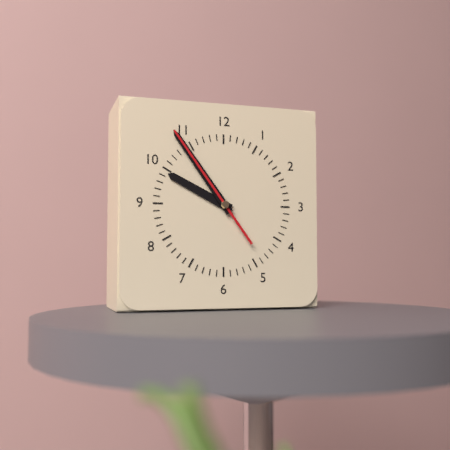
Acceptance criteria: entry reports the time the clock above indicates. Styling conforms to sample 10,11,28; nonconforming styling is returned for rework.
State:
9,54,54
